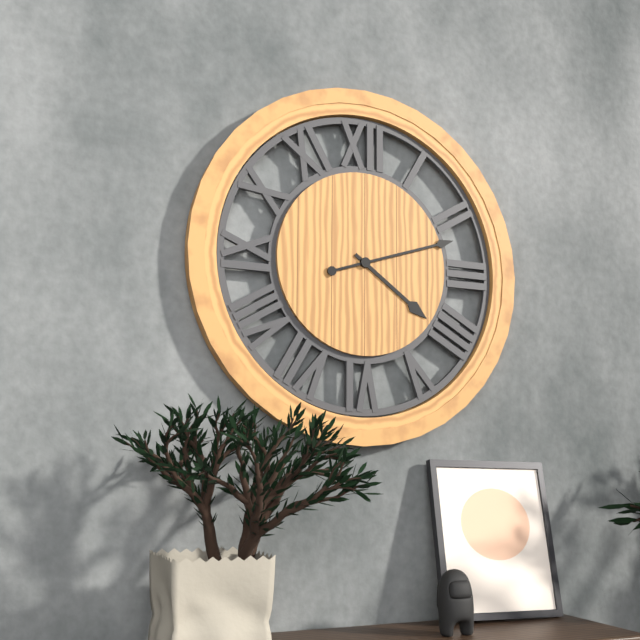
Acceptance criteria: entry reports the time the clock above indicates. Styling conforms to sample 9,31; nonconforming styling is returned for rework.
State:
4,12
